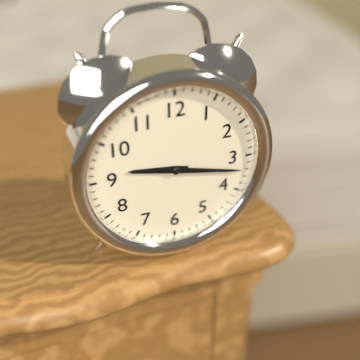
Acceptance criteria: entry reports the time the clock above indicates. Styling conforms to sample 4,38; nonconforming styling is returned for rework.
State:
9,17
